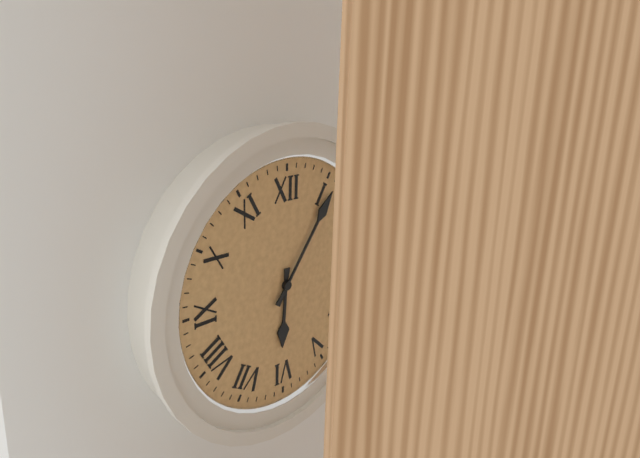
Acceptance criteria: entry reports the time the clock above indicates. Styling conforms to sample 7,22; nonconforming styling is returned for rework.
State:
6,06
